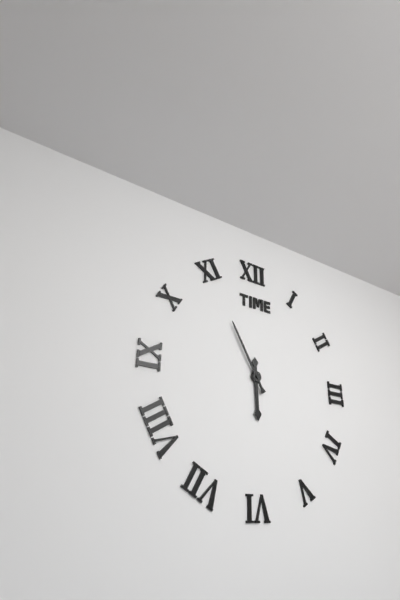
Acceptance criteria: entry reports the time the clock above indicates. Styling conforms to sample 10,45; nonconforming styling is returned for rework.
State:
5,55
